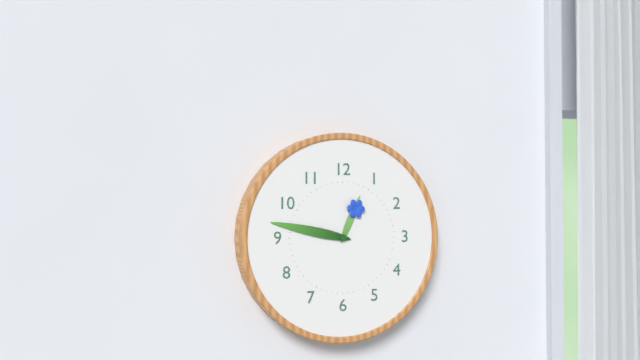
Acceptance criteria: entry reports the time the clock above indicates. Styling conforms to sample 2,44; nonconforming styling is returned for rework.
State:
12,47
